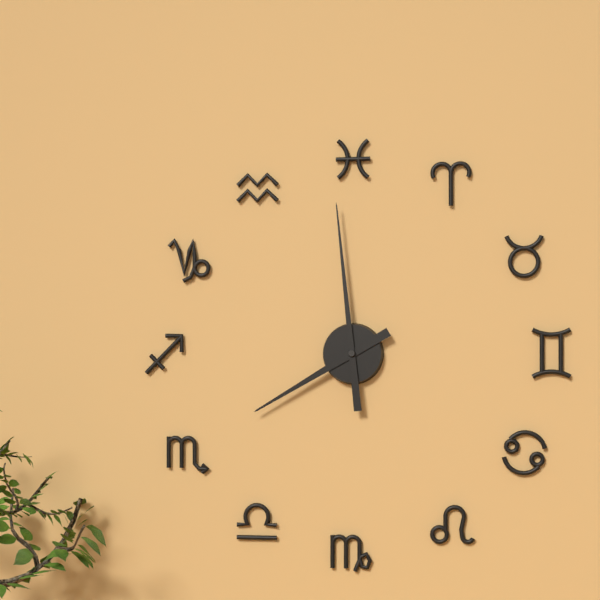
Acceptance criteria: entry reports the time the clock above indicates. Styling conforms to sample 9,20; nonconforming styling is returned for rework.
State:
7,59
